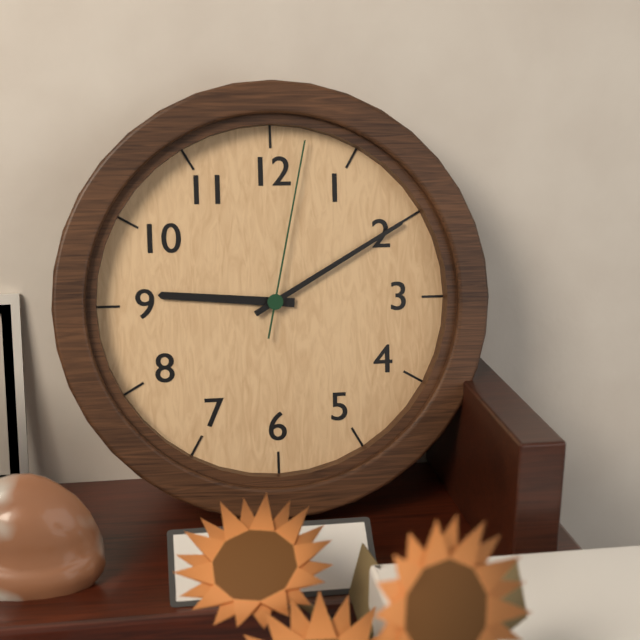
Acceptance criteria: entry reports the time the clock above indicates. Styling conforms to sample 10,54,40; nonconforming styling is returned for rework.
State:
9,10,02
